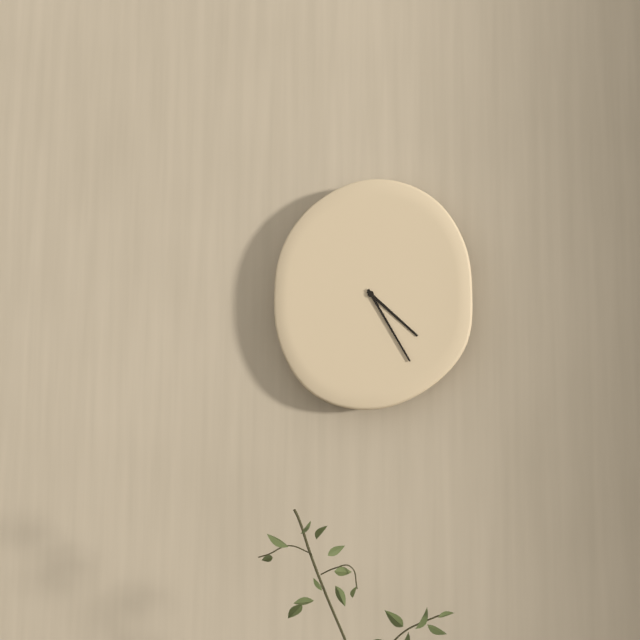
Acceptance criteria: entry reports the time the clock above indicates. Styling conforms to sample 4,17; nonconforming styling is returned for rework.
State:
4,25
